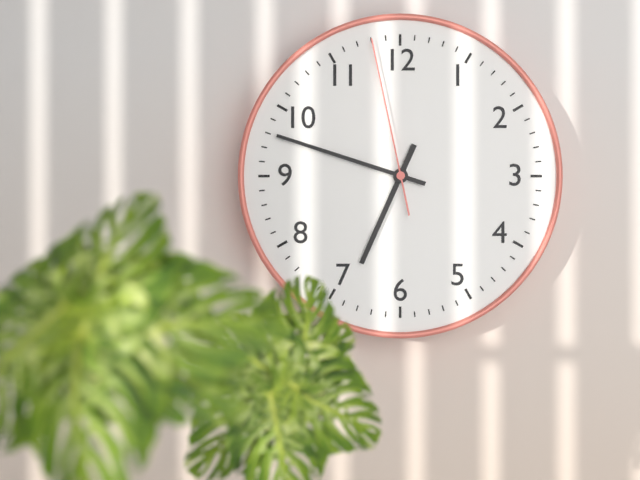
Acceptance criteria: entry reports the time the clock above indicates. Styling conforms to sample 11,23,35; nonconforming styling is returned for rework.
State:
6,48,58
